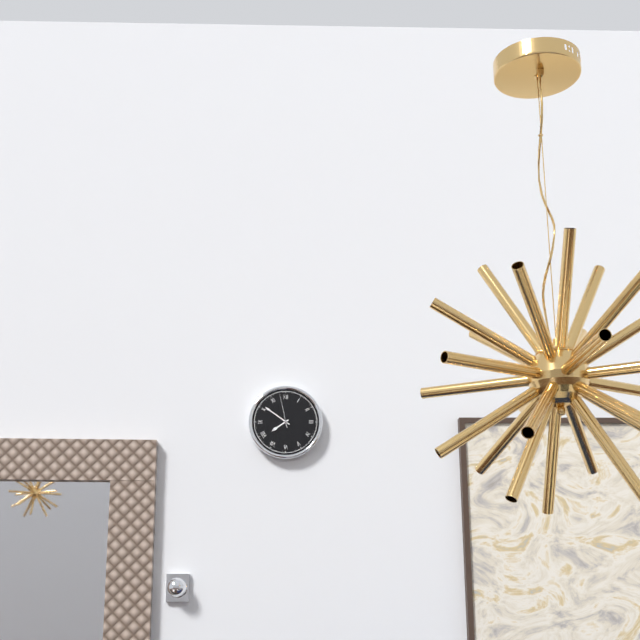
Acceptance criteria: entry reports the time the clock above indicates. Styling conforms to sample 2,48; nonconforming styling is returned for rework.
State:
7,51
